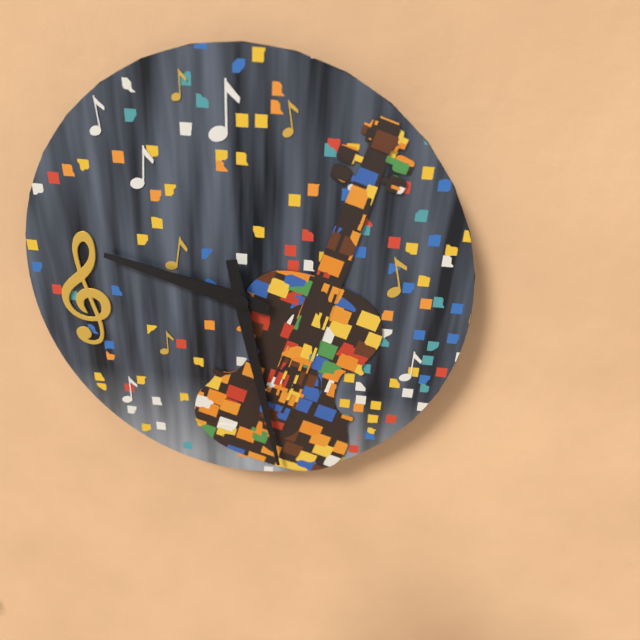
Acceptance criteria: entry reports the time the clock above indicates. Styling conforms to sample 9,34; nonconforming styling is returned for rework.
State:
9,28
